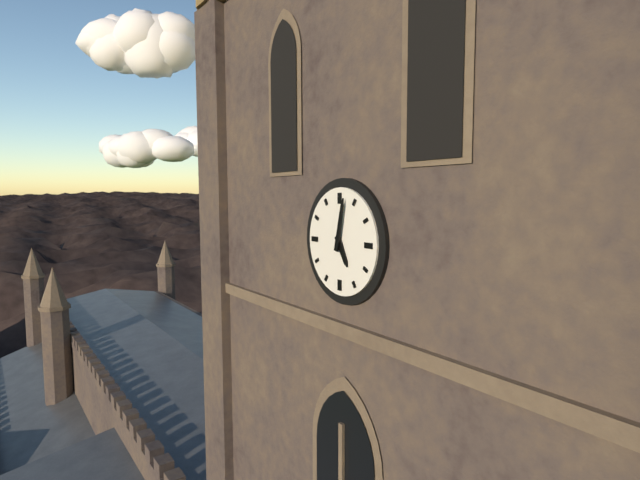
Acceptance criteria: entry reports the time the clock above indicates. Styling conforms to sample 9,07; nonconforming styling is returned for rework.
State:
5,02
